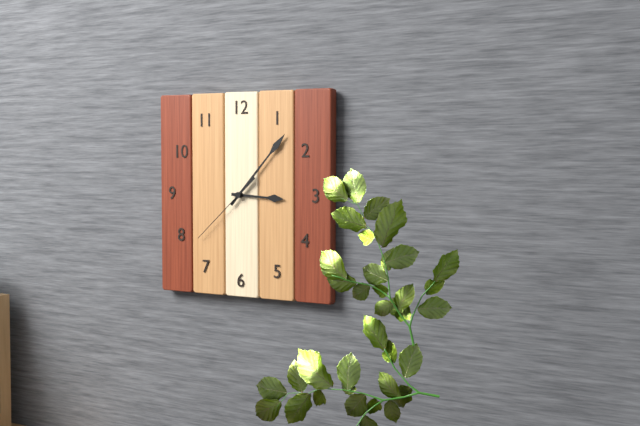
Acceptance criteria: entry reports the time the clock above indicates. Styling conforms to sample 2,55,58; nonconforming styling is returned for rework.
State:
3,07,38
